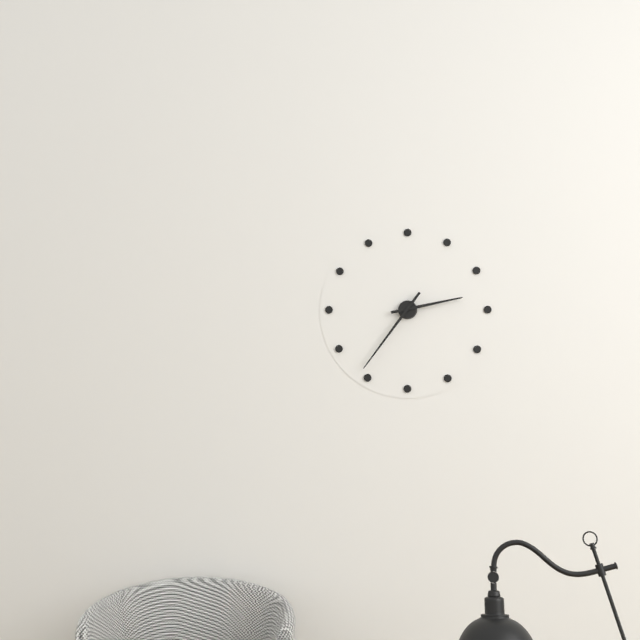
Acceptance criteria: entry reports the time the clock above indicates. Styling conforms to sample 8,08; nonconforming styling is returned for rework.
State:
2,36
